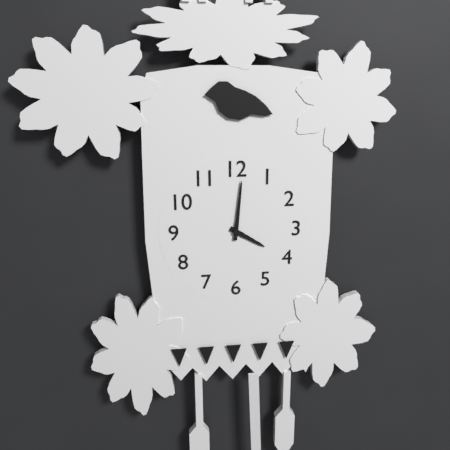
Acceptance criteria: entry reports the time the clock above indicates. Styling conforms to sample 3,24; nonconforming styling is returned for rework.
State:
4,01
